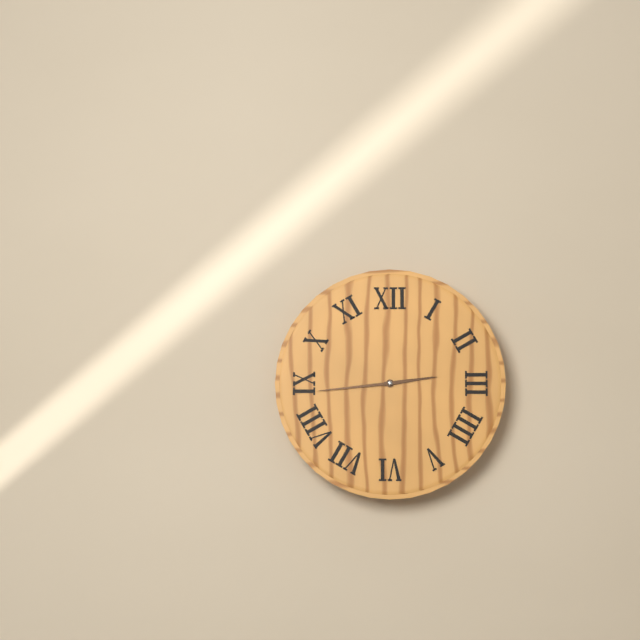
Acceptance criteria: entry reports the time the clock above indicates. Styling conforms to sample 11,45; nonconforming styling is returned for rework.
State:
2,44
